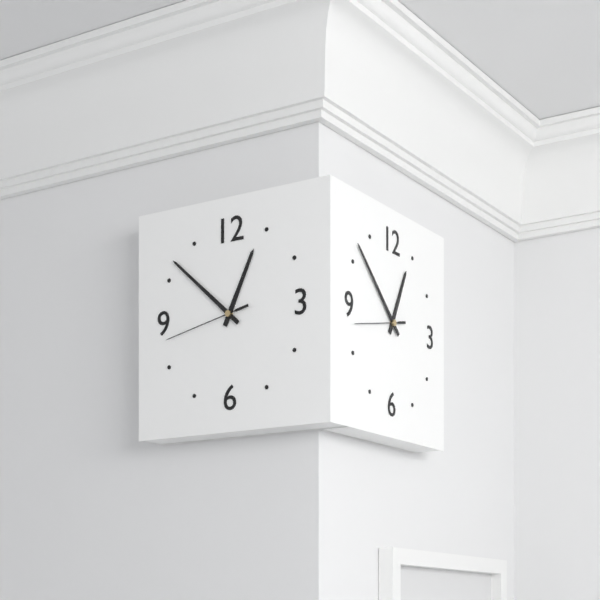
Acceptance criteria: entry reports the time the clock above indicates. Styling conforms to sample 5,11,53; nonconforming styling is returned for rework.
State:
12,52,43
